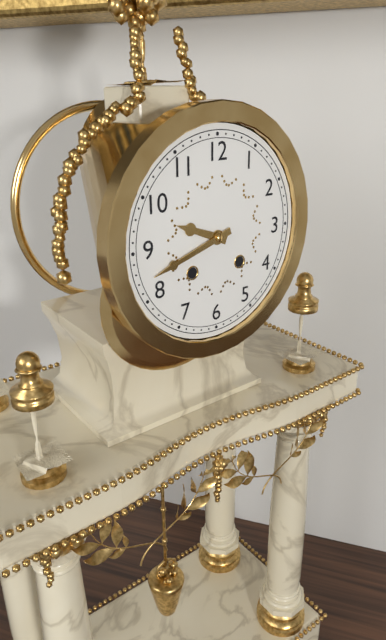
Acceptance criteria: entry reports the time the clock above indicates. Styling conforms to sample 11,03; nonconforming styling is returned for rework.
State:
9,42
